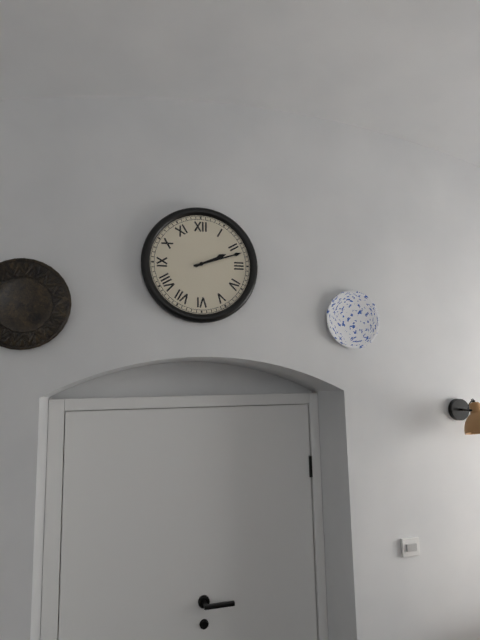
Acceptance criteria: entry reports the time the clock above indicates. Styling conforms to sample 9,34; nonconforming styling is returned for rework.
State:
2,12
